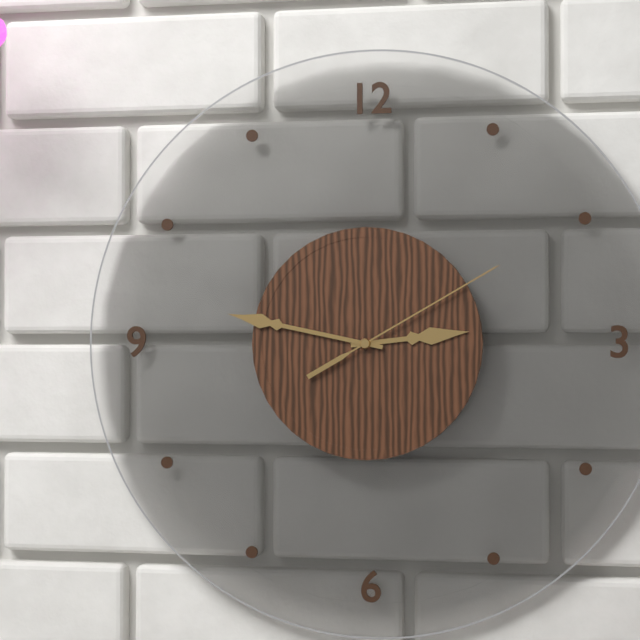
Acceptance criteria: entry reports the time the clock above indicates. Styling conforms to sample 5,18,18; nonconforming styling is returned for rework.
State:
2,47,10
